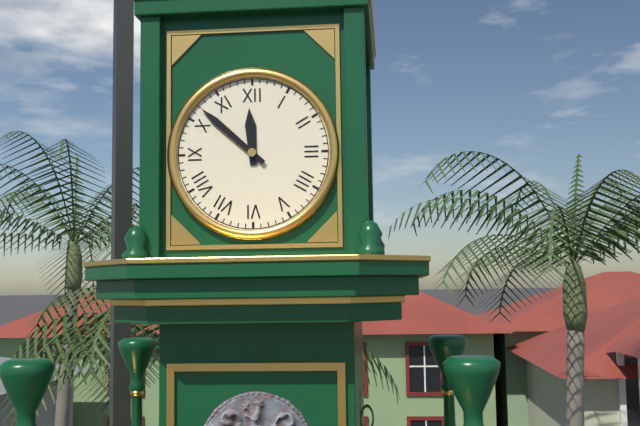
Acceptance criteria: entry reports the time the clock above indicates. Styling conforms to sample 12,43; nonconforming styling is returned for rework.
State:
11,52
